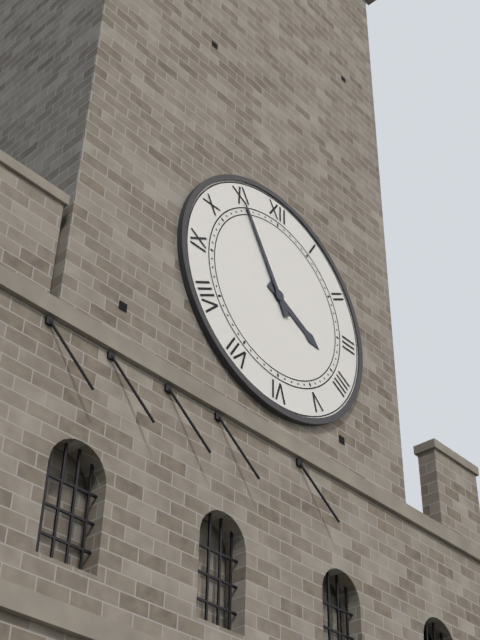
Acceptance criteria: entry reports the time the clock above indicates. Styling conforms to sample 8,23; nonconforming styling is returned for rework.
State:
3,55
